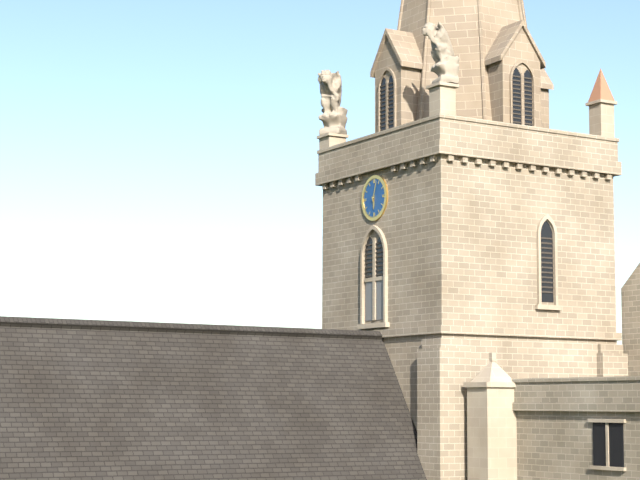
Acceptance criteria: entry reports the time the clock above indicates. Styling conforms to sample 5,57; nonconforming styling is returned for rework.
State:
6,03
